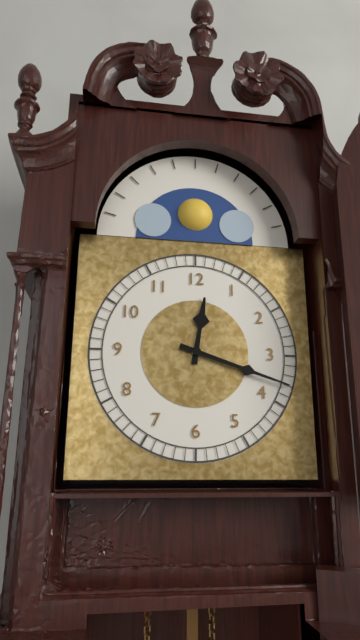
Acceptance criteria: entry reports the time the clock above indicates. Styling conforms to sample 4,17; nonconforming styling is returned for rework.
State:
12,18
